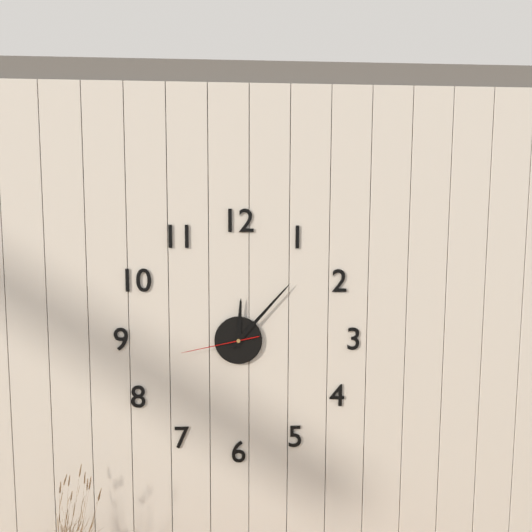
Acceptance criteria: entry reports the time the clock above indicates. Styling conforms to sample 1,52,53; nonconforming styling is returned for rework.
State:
12,07,43
